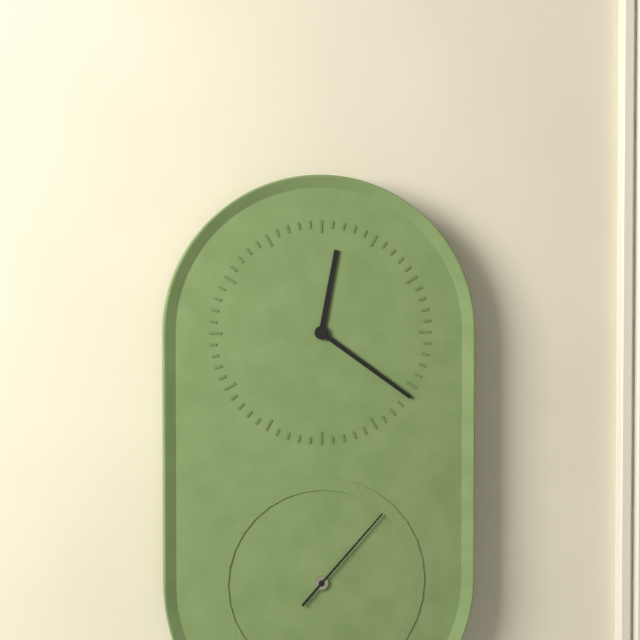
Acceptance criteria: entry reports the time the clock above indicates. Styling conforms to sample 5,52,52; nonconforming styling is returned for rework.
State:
12,21,07
